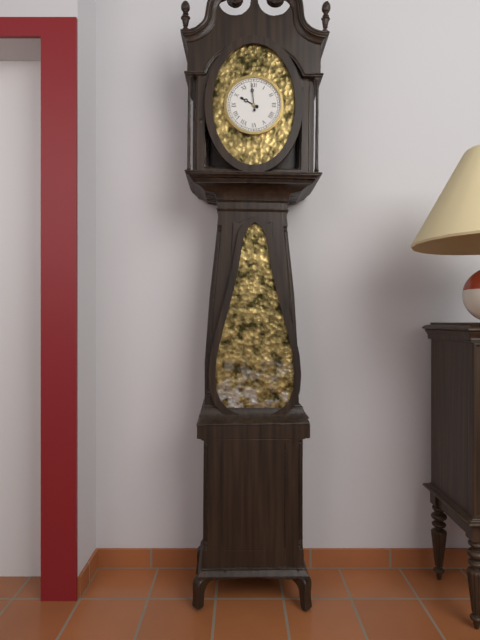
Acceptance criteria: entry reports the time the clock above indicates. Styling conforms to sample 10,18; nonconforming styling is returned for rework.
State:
9,59
